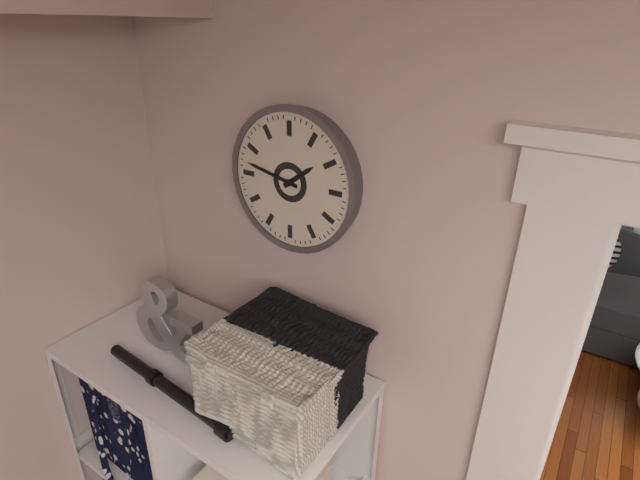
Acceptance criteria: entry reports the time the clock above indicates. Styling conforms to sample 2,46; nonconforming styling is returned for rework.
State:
1,47
